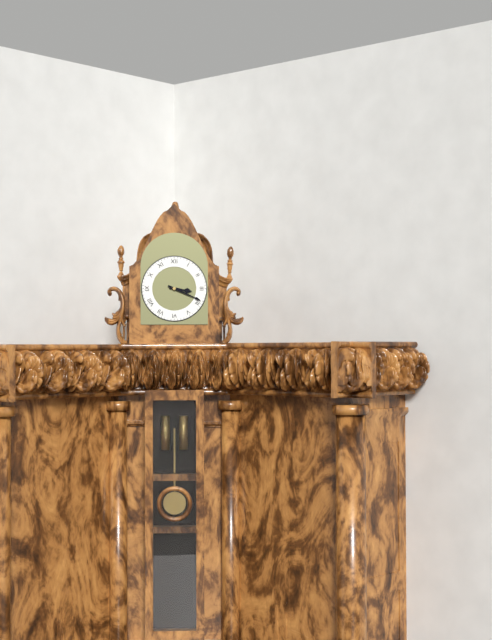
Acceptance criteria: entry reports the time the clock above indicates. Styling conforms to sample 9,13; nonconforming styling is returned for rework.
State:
3,19
